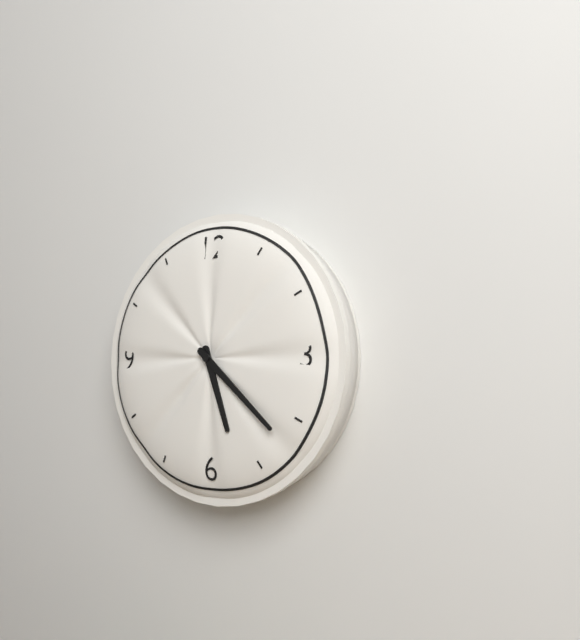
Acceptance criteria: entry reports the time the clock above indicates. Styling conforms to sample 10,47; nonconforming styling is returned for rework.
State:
5,22
